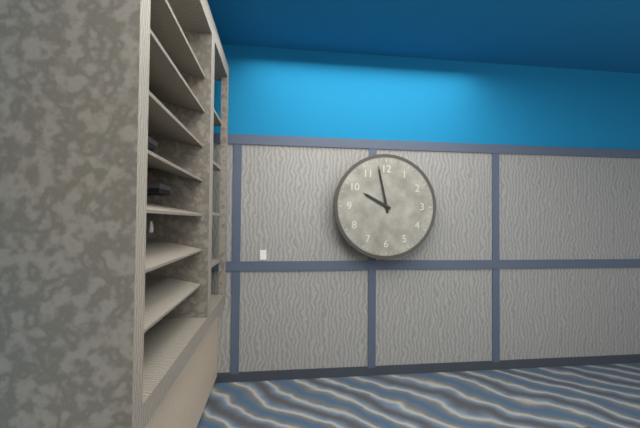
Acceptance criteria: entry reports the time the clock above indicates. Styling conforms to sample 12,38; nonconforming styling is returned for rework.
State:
9,58
